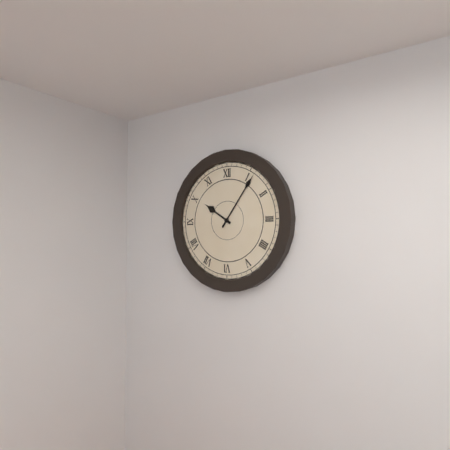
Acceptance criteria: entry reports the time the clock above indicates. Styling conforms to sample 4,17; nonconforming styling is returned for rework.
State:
10,06
